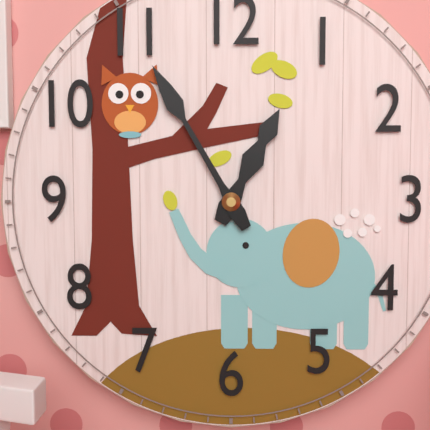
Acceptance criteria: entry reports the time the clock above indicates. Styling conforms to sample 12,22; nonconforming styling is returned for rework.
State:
12,55
